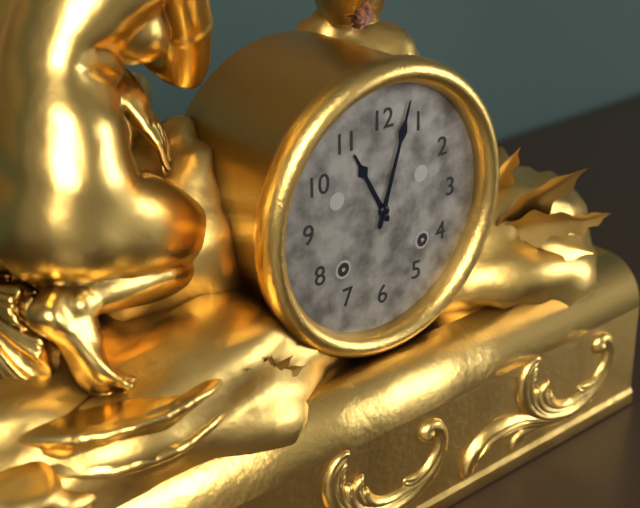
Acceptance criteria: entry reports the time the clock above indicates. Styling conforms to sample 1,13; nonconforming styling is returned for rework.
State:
11,03
